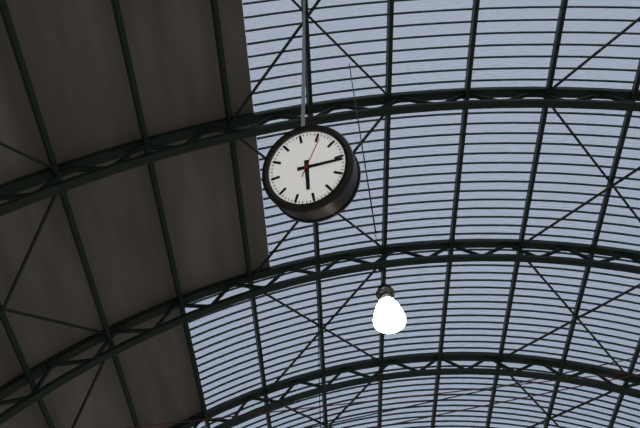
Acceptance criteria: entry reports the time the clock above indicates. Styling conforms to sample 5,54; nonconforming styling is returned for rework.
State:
6,16
